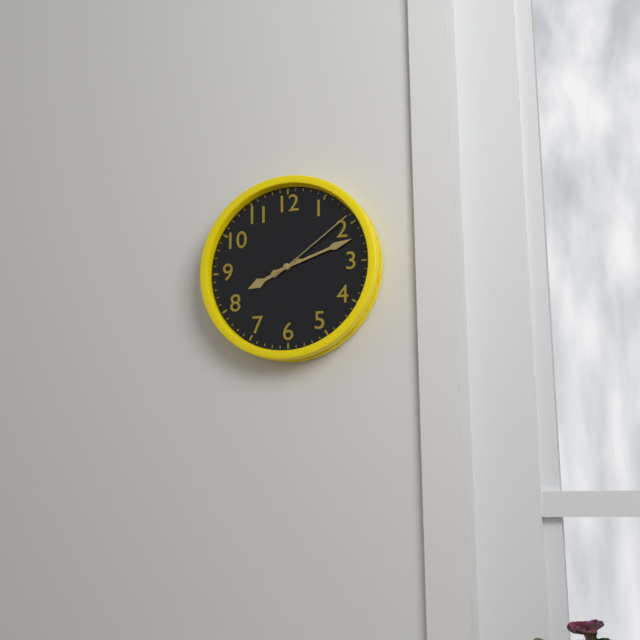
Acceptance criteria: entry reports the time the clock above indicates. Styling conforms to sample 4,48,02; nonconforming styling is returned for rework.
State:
8,12,09
